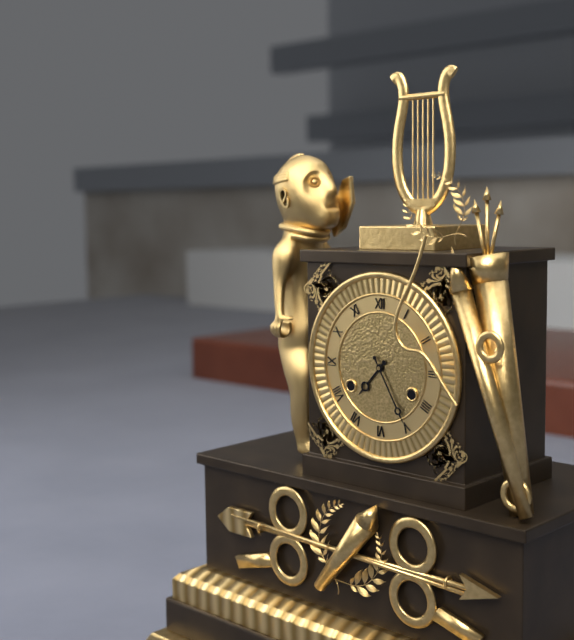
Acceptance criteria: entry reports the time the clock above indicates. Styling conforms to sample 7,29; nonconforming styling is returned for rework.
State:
7,25
